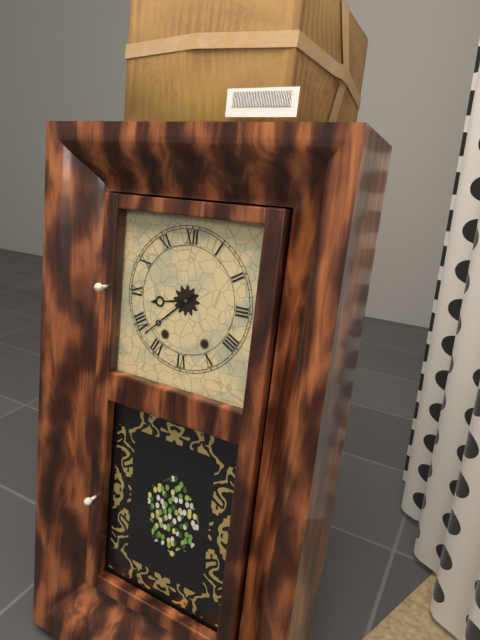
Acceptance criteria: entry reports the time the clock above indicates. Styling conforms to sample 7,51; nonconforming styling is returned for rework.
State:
8,38
